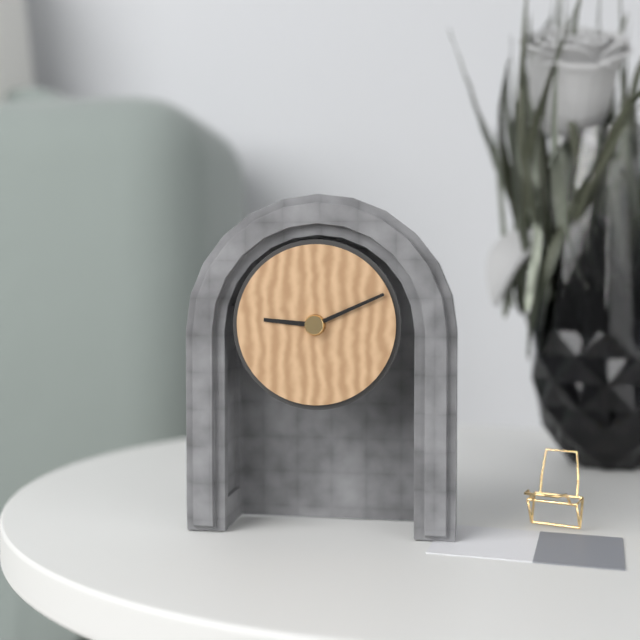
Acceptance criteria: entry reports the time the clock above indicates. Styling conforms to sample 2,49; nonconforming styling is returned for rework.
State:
9,11
